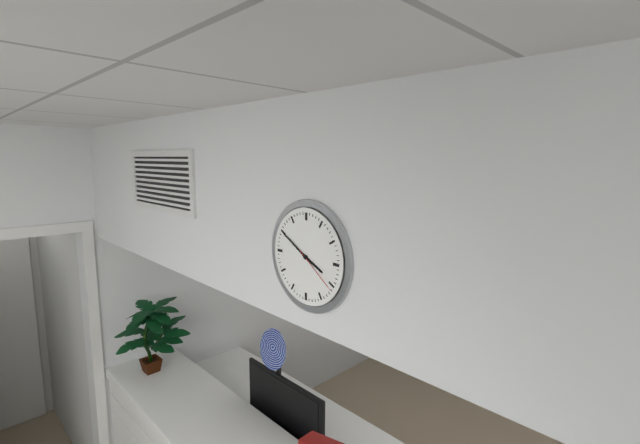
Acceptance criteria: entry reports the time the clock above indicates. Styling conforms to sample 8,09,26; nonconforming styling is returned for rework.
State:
3,50,21
